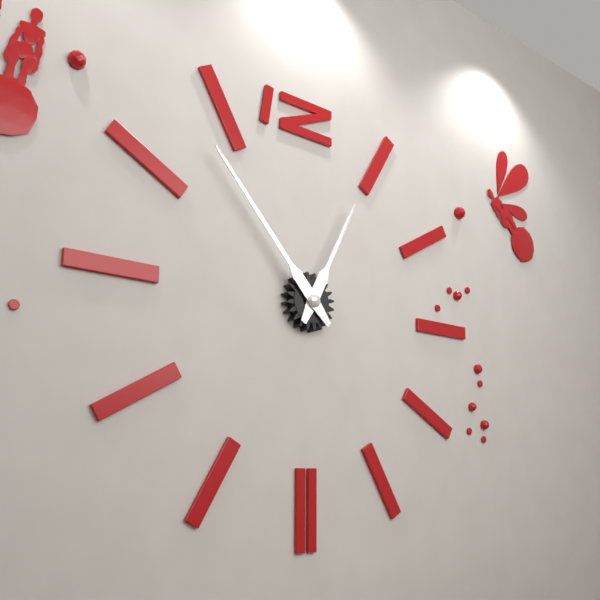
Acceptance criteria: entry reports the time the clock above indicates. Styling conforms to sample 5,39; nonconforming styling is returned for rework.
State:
12,53
